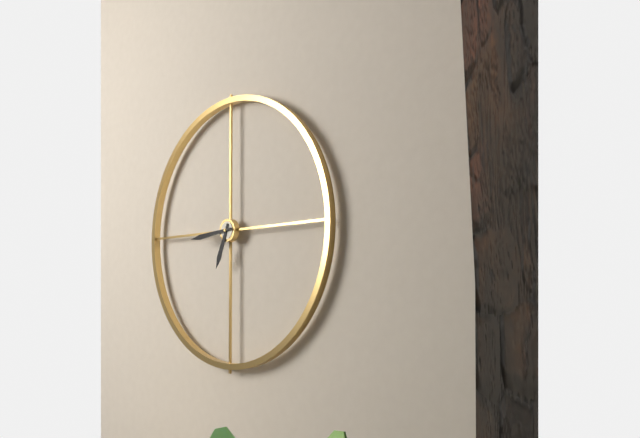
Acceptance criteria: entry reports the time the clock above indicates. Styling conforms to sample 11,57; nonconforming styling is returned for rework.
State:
6,44
